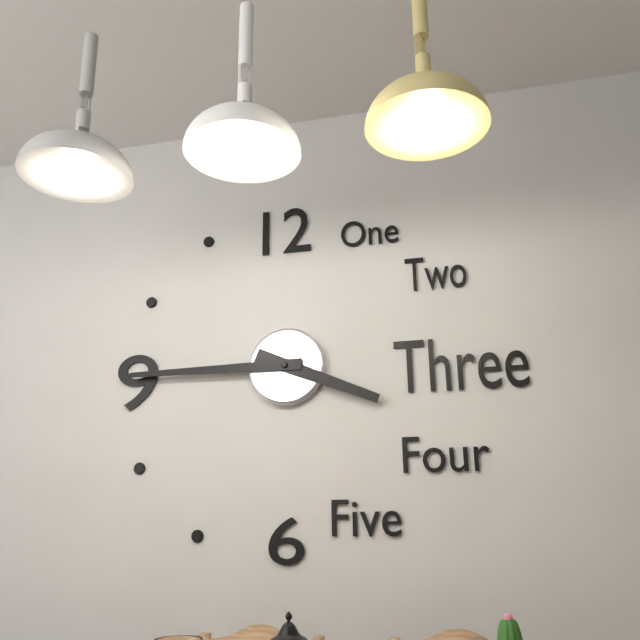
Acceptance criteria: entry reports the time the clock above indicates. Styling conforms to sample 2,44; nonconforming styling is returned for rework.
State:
3,45
